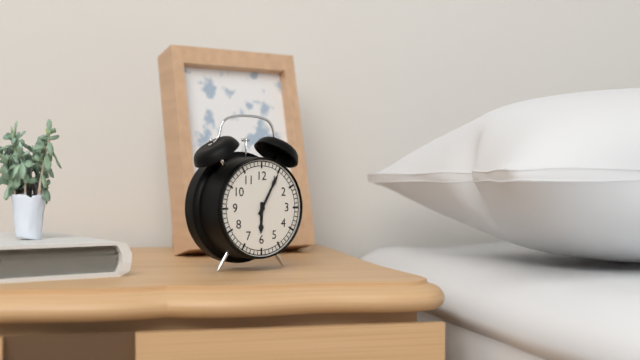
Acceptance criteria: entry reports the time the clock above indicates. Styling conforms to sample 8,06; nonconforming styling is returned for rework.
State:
6,05
